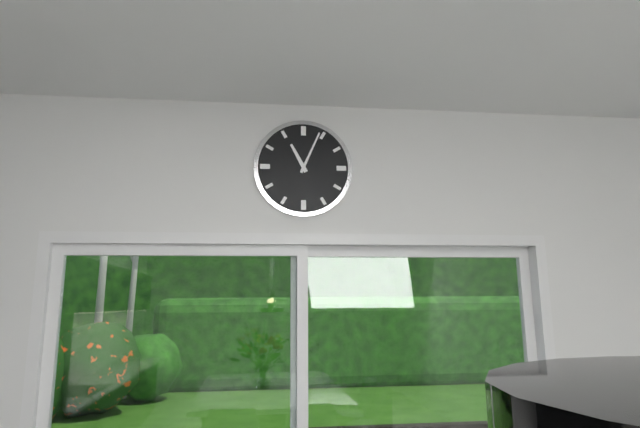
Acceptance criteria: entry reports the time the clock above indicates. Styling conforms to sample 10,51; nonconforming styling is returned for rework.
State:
11,04
